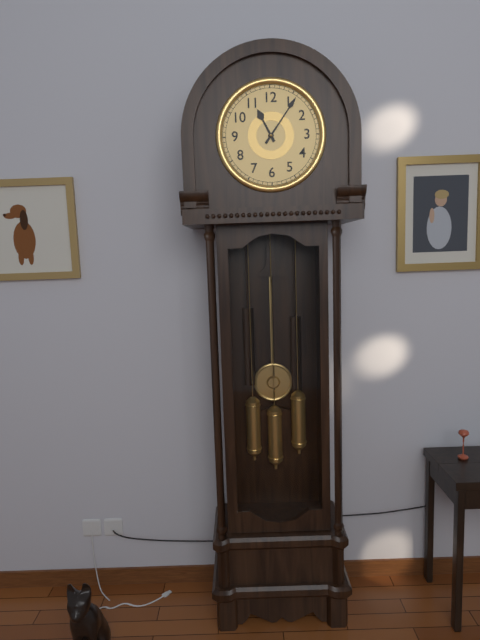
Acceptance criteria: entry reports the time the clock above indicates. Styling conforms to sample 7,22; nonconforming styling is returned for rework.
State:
11,06
